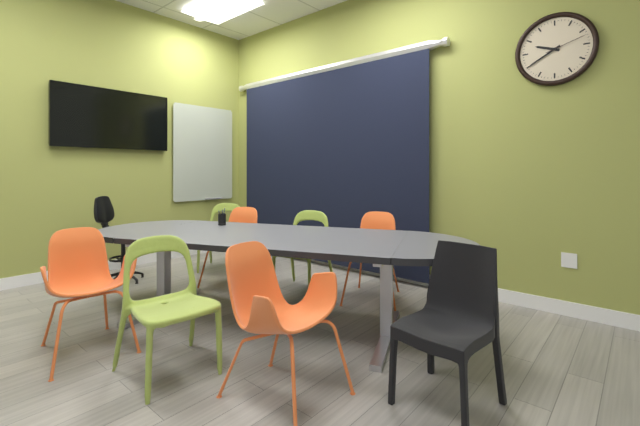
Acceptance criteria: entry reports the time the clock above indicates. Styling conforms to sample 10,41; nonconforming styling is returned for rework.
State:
9,40
